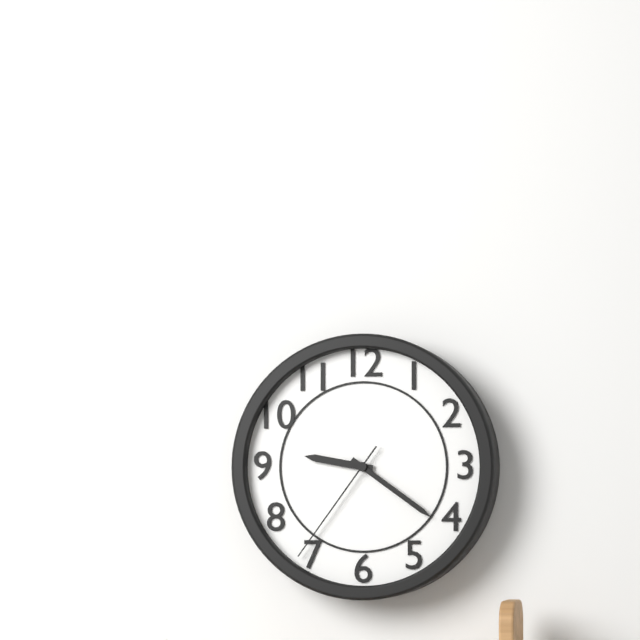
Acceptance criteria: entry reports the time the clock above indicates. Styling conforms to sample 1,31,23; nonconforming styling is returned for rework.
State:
9,21,36
